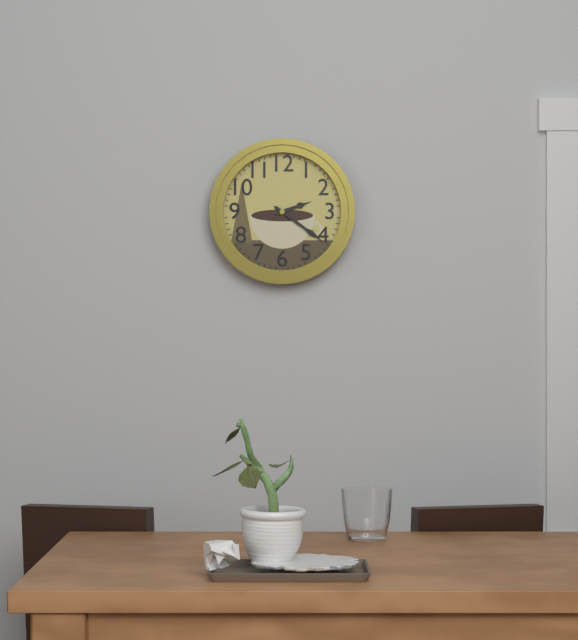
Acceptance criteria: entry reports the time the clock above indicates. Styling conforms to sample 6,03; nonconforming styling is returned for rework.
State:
2,21
